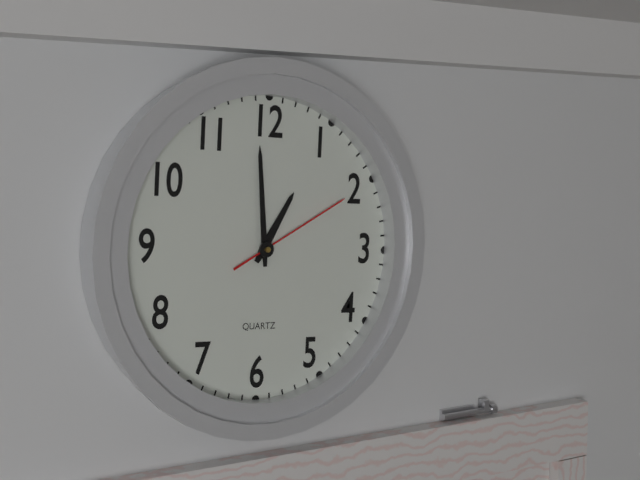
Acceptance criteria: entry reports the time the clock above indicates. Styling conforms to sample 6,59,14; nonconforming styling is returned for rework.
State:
12,59,10
